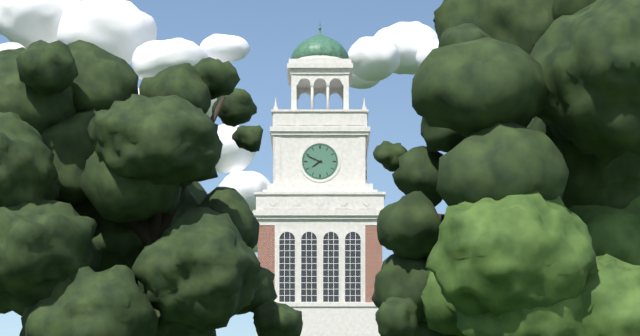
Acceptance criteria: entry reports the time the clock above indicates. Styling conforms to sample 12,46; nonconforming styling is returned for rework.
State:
7,49
